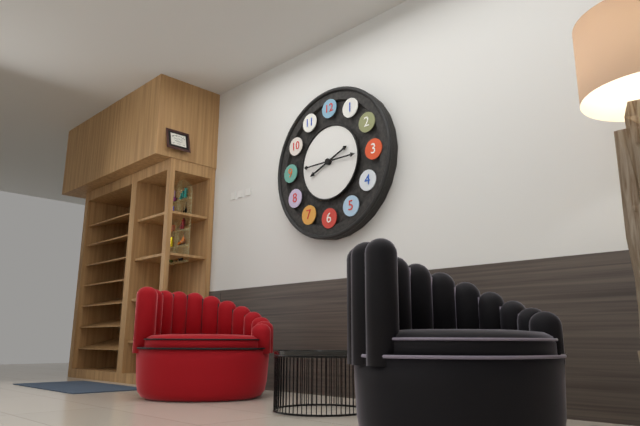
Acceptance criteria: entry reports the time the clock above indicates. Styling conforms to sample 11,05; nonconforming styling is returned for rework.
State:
8,15
